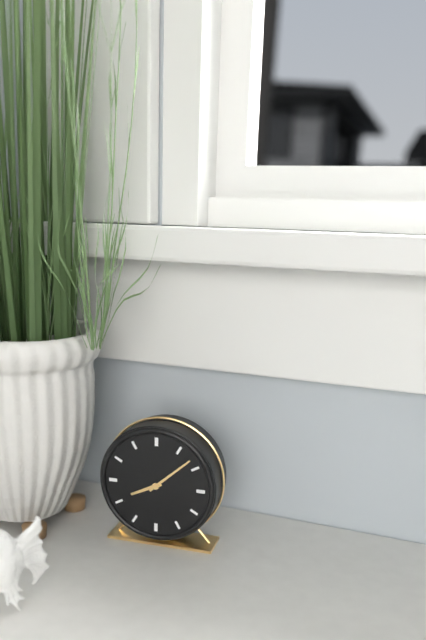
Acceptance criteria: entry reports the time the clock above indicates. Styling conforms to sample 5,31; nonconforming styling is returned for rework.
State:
8,08
